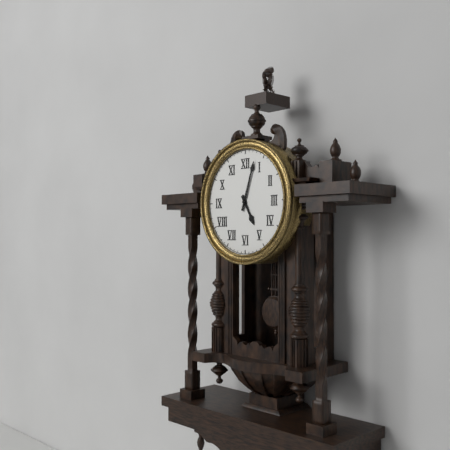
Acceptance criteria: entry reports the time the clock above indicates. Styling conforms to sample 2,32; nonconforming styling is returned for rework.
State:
5,03
